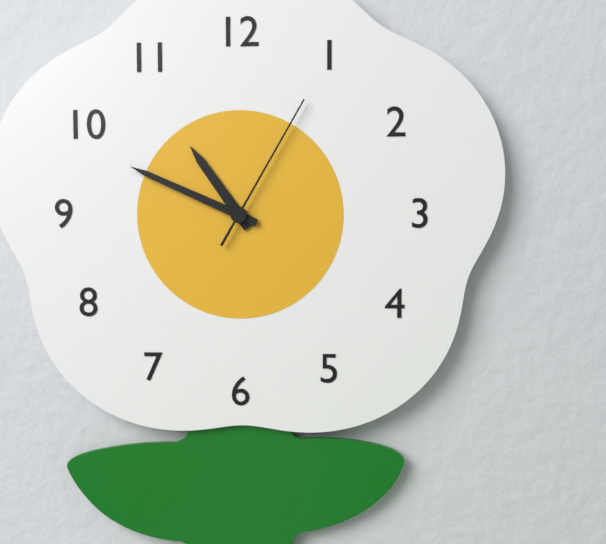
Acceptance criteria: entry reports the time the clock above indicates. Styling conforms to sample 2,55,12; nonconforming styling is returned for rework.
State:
10,49,05
